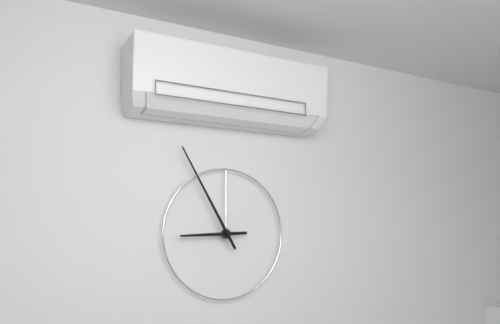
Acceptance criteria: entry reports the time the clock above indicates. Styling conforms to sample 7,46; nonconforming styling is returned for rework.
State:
8,55
